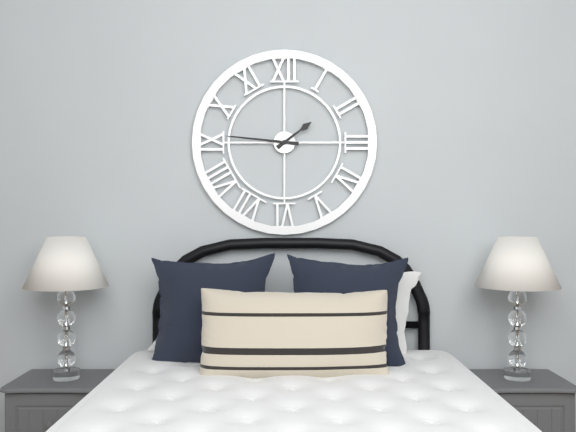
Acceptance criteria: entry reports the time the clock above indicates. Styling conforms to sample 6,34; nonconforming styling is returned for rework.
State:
1,46
